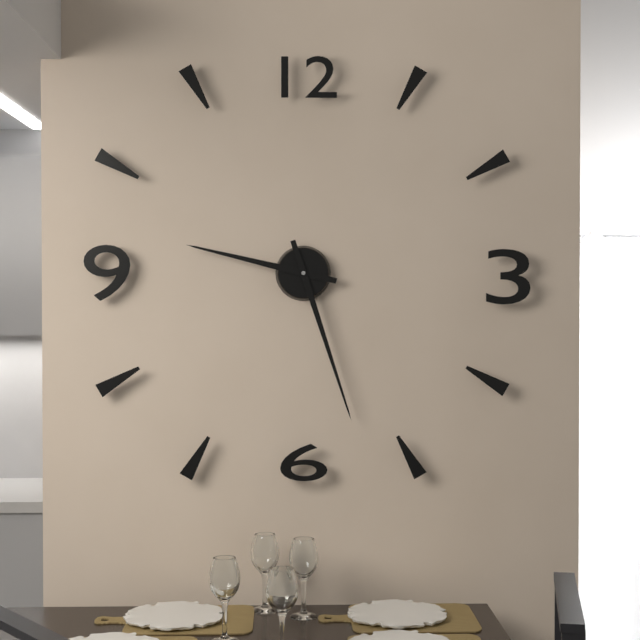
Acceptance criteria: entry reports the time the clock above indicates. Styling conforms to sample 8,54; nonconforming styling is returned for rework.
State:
9,27
